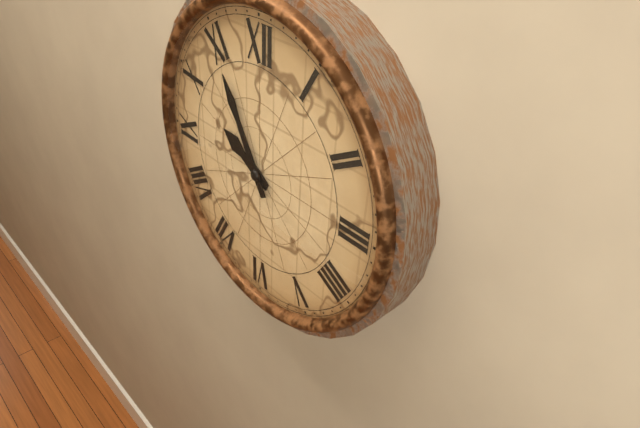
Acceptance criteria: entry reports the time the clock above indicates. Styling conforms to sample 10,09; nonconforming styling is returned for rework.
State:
9,55
